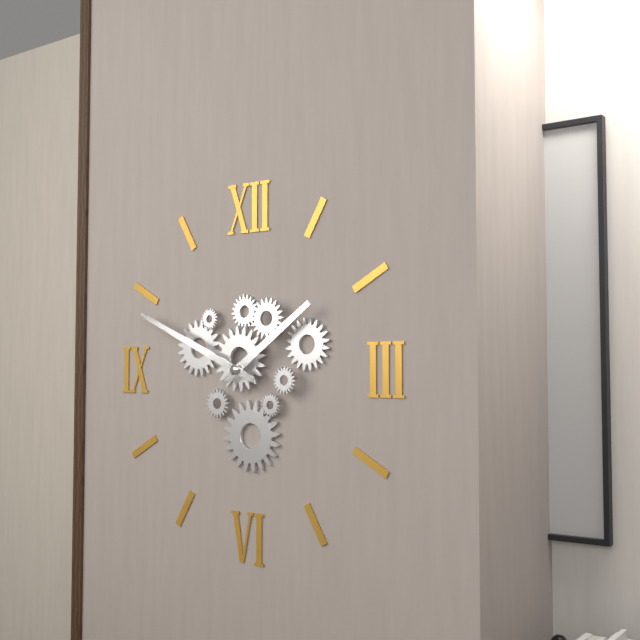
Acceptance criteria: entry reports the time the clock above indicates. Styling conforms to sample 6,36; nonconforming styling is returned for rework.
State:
1,49
